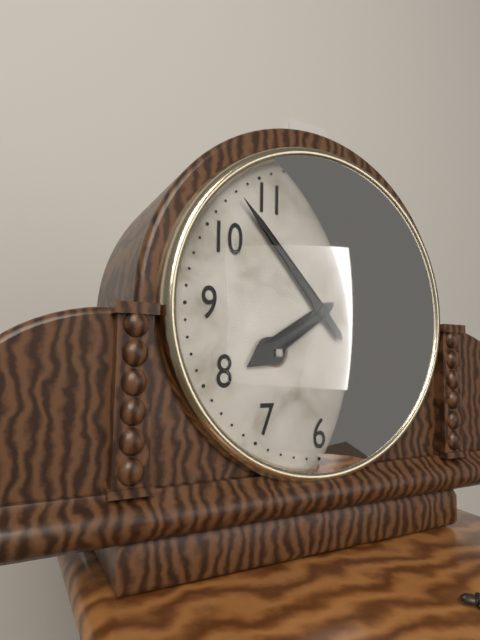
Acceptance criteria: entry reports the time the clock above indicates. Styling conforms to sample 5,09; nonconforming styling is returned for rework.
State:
7,53
